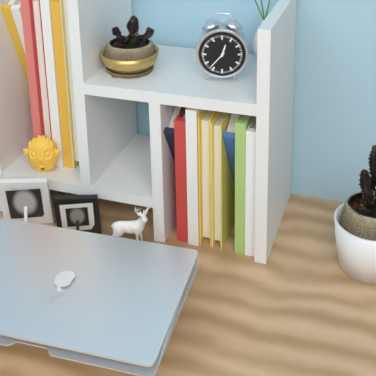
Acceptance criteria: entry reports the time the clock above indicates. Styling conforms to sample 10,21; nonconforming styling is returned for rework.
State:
12,37
